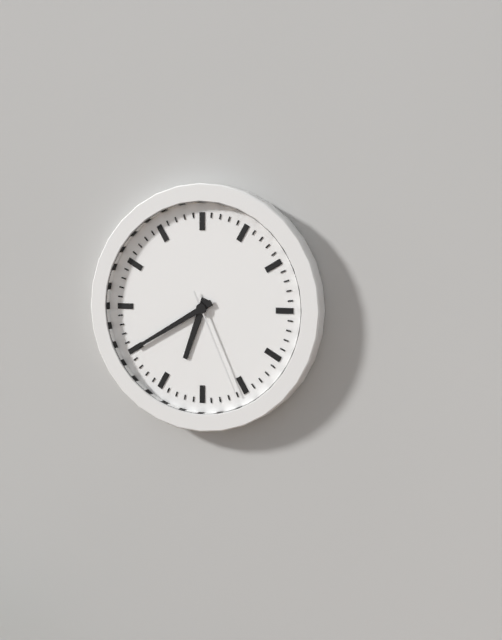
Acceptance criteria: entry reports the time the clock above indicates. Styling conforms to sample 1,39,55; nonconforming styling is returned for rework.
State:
6,40,26
